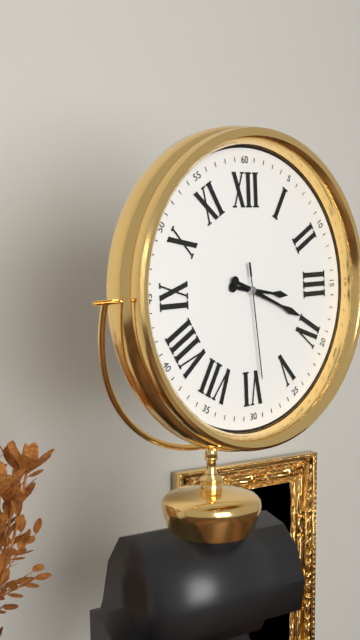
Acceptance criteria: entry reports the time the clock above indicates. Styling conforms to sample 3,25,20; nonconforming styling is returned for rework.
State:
3,19,29
